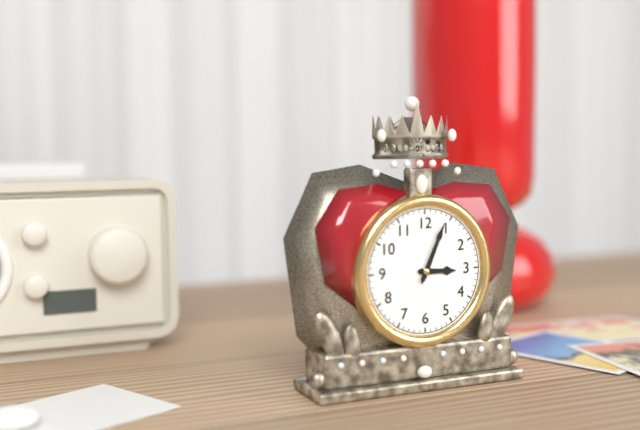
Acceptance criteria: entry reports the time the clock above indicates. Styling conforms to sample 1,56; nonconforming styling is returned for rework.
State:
3,04
